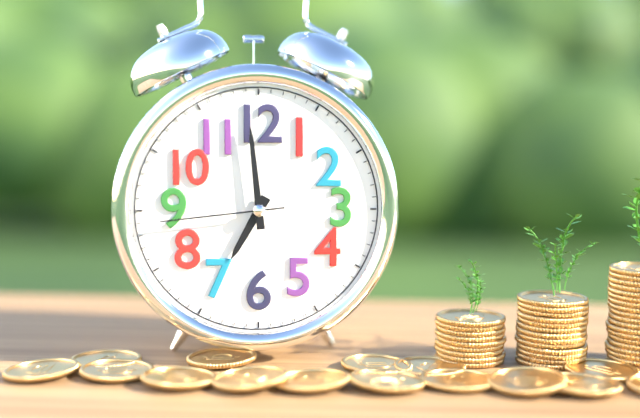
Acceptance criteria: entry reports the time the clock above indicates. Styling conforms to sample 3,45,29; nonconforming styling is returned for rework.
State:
6,59,44
